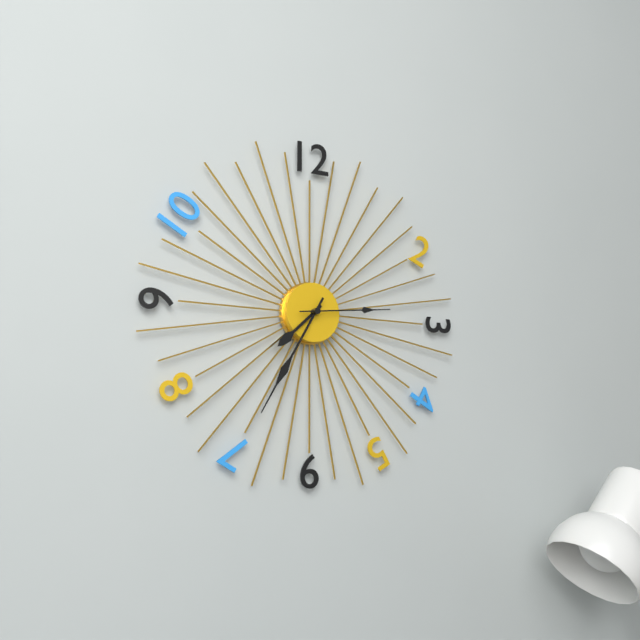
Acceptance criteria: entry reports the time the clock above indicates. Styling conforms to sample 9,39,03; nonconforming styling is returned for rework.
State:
7,35,14
